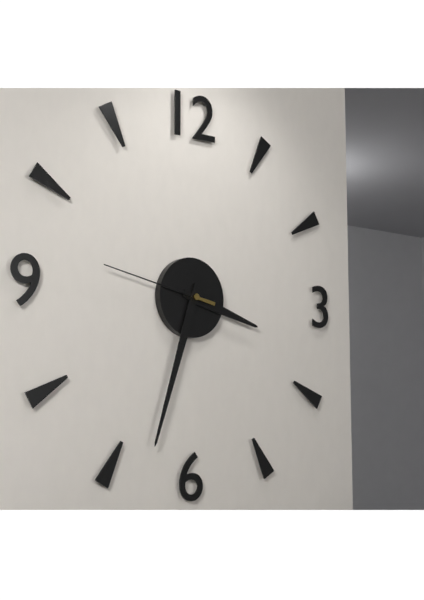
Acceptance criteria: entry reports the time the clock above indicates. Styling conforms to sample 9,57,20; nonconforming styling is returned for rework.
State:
3,33,47
